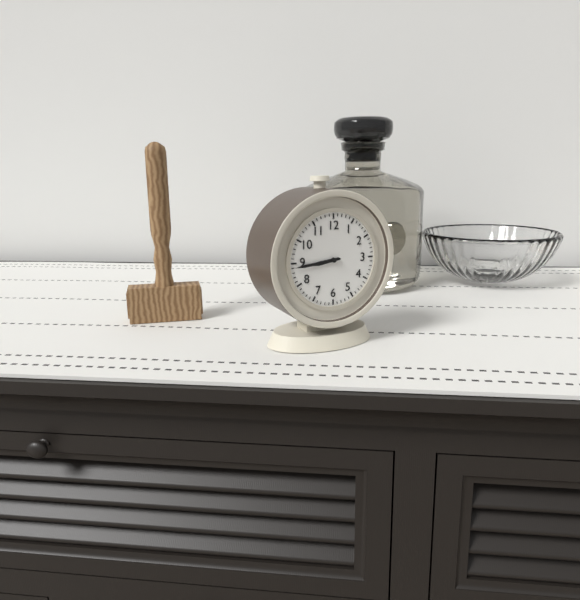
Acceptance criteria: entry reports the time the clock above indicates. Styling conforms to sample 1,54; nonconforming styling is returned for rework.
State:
8,44
